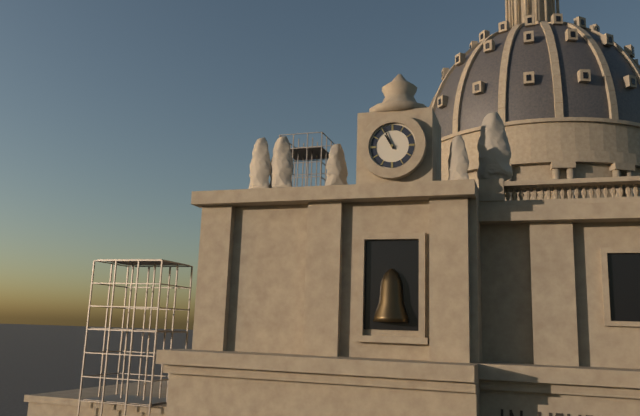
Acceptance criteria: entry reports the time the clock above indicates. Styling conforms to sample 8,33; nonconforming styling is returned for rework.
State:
10,56
